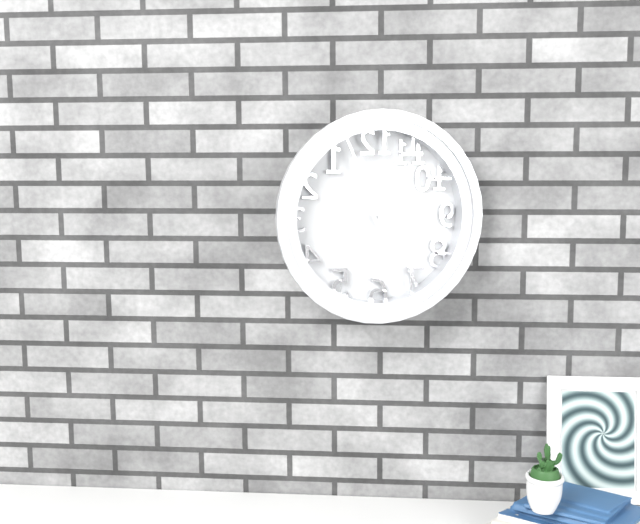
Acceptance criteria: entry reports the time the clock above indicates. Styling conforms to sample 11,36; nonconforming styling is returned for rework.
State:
4,56
